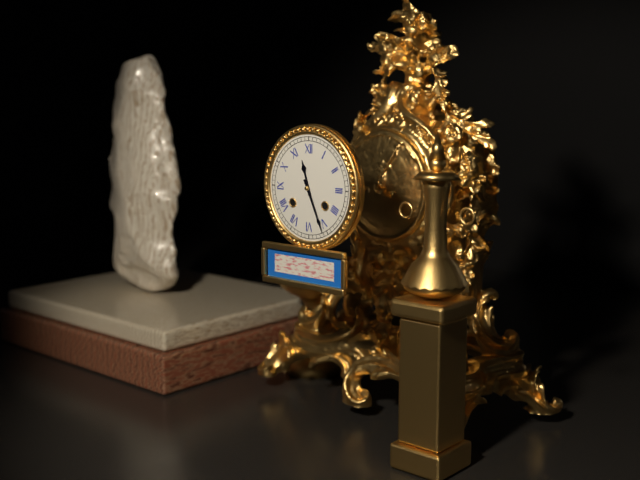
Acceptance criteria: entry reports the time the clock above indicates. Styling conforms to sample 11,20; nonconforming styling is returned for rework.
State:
11,26
